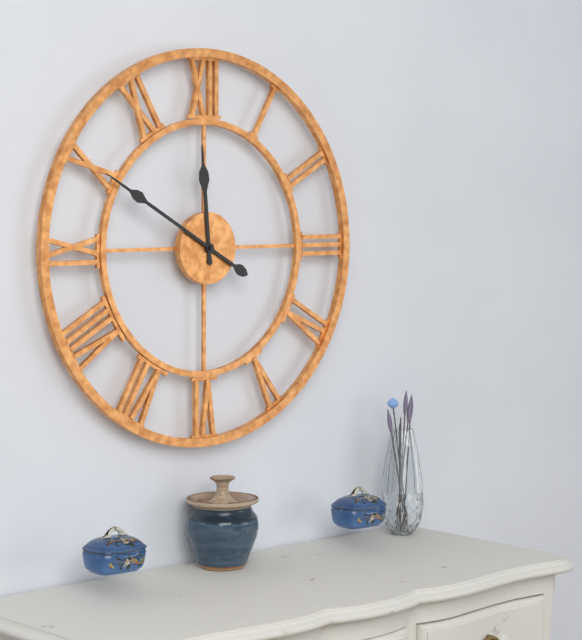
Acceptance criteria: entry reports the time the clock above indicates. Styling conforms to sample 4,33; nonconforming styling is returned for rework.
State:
11,50
